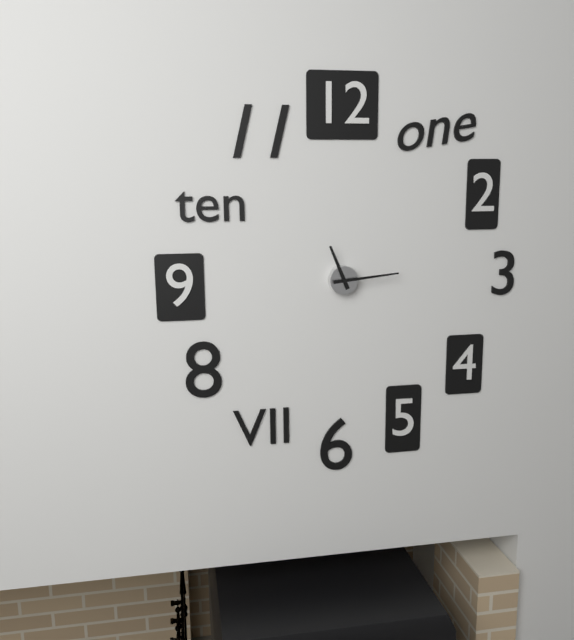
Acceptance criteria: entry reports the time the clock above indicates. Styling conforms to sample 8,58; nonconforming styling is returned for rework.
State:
11,14
